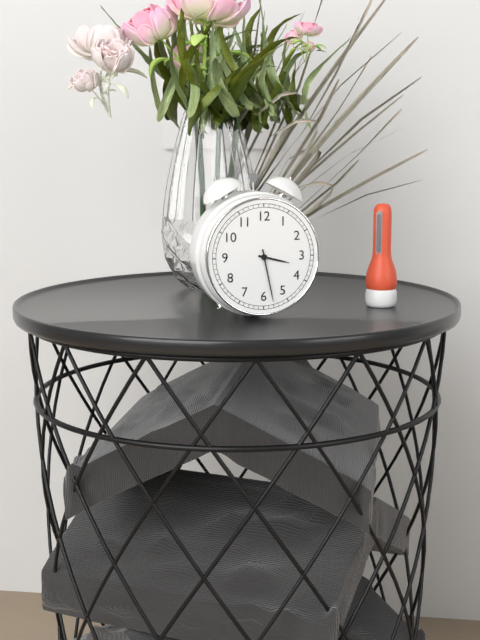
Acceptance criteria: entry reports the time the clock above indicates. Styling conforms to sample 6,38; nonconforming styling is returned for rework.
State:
3,28
